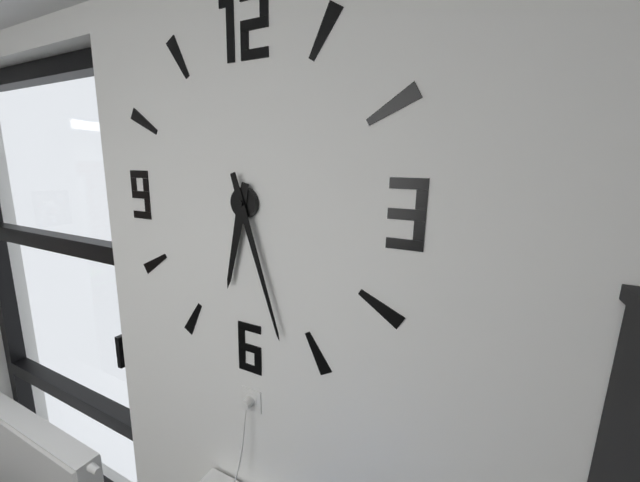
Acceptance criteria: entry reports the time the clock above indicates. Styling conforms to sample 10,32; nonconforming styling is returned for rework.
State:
6,27
